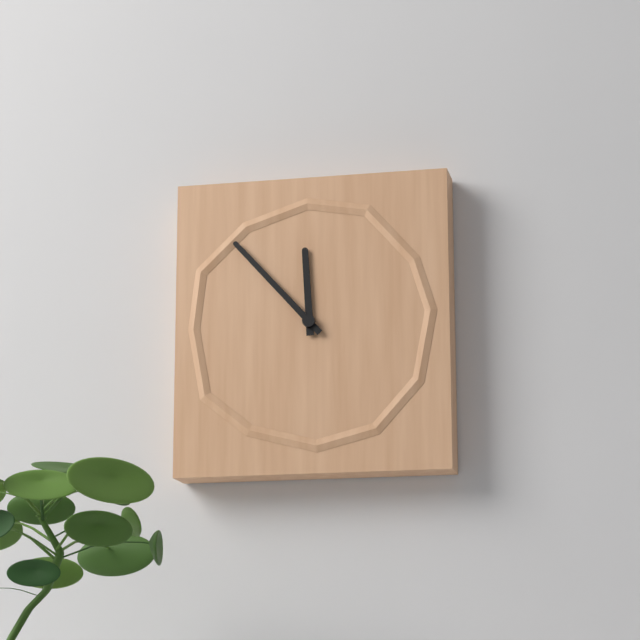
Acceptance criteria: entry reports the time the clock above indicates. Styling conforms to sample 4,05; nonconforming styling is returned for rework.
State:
11,53
